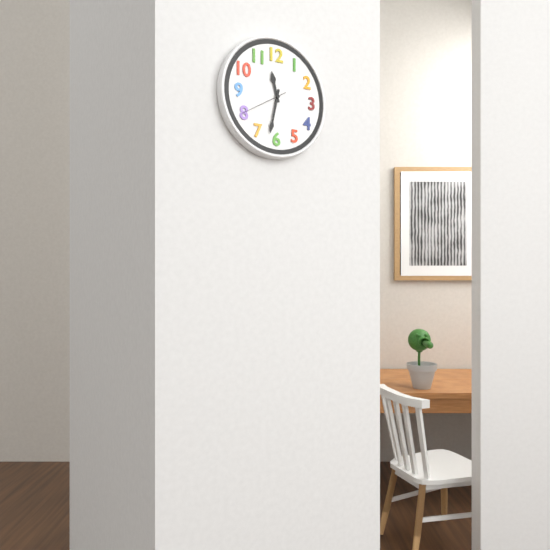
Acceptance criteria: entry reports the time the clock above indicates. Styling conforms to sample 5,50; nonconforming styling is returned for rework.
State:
11,32
